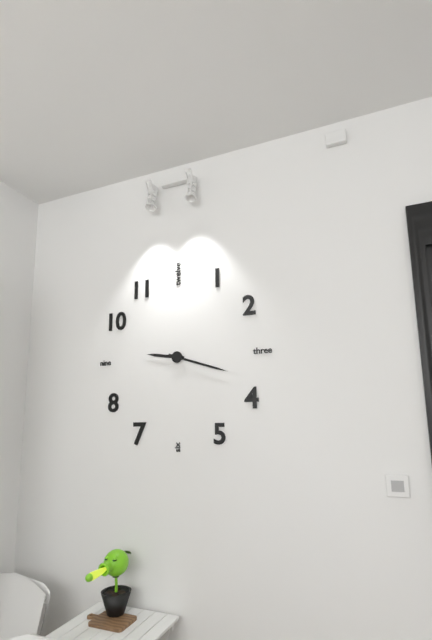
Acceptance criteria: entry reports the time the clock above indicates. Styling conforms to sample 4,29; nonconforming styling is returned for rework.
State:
9,18
